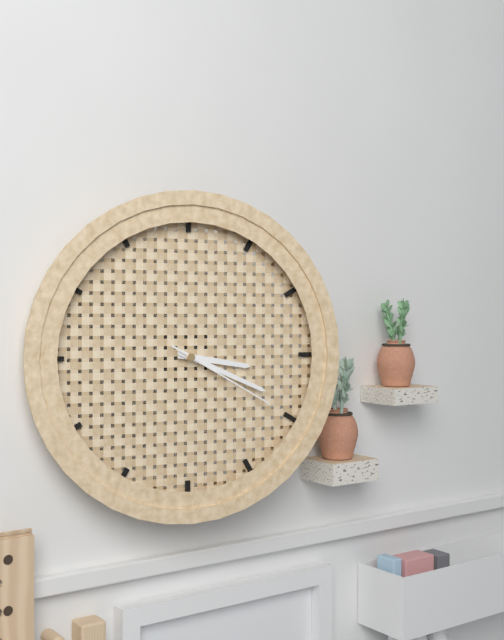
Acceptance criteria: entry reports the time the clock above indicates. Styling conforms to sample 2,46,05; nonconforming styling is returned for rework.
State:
3,19,20
